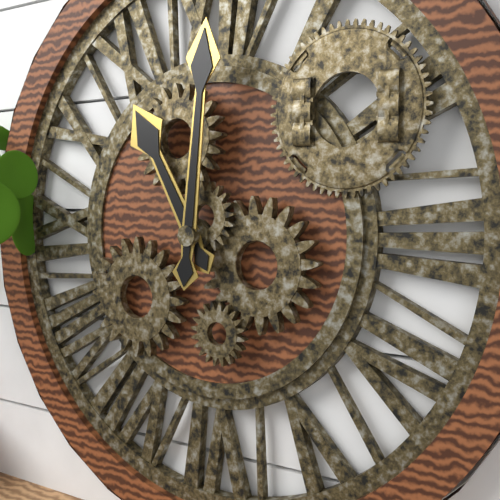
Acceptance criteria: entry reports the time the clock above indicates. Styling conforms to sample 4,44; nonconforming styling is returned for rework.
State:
11,01
